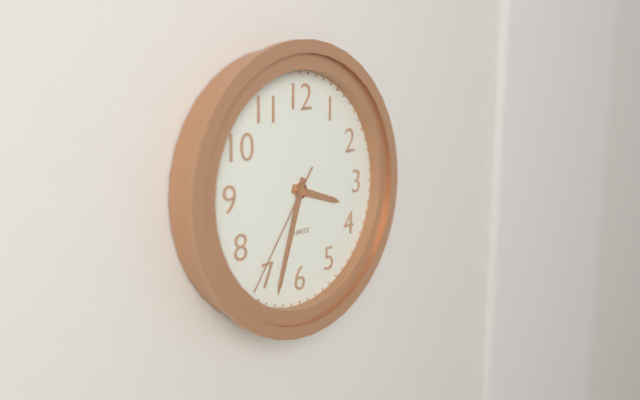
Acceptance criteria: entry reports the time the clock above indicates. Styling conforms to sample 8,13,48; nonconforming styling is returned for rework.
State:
3,33,36
